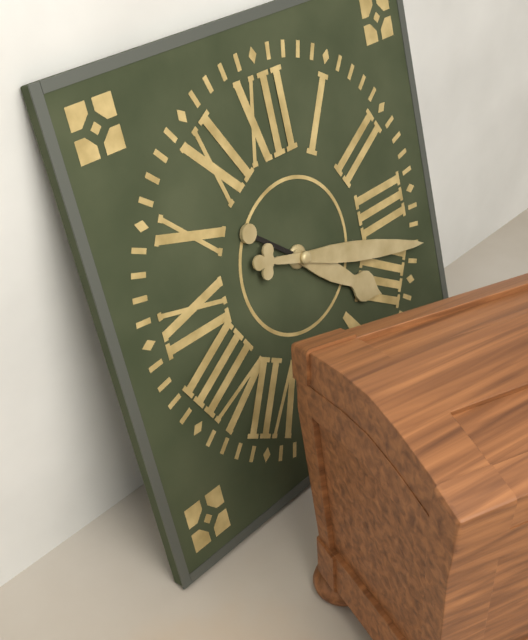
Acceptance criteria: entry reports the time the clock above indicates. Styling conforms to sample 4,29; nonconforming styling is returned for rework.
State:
4,18
